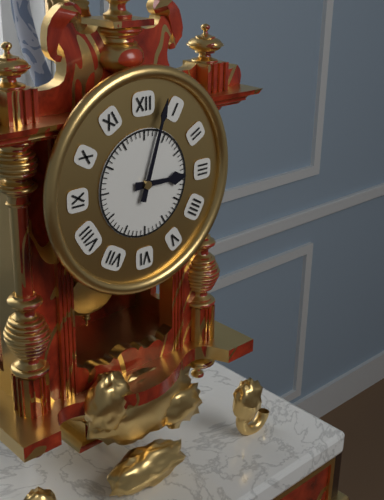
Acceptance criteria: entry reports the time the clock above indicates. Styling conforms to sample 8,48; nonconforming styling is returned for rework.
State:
3,03
